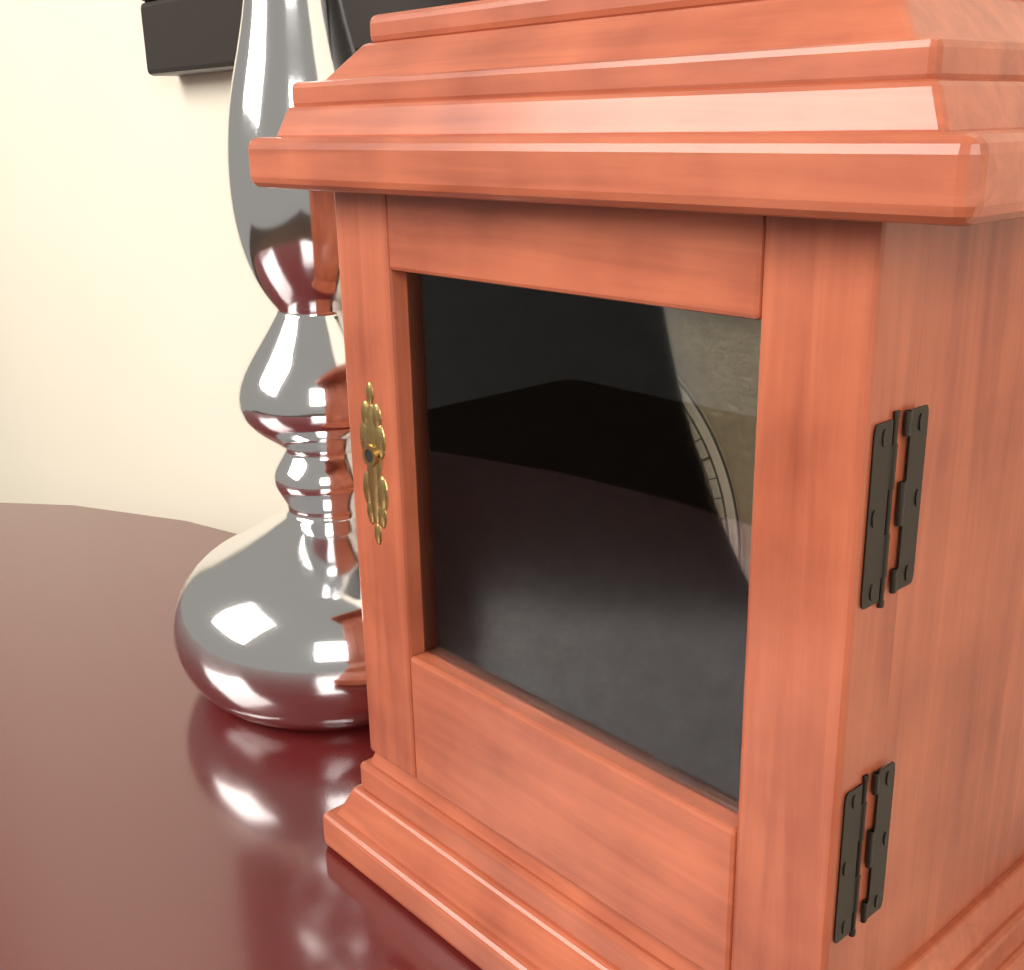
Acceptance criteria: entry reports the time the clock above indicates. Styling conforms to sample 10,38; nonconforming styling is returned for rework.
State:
10,58
